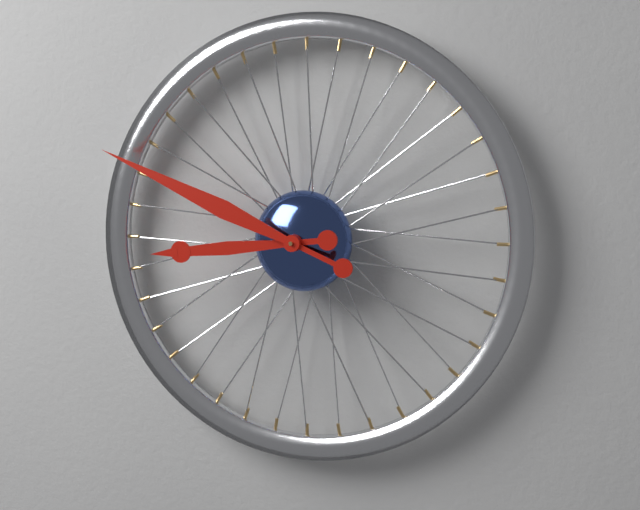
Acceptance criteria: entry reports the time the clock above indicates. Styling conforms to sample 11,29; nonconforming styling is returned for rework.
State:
8,49
